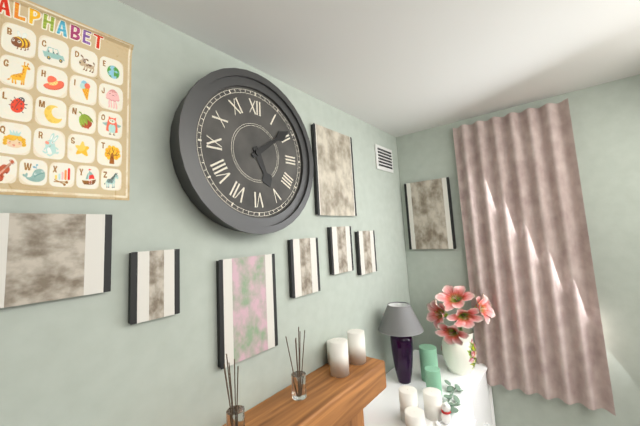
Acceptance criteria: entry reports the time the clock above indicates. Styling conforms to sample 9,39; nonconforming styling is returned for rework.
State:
5,09
